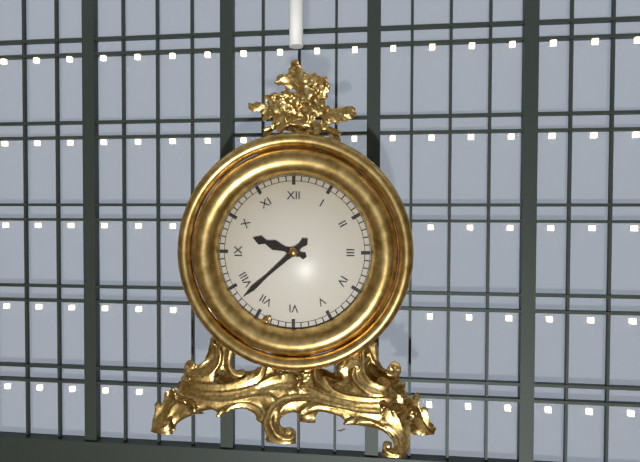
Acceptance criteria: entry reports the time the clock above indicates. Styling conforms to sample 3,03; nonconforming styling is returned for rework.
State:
9,38
